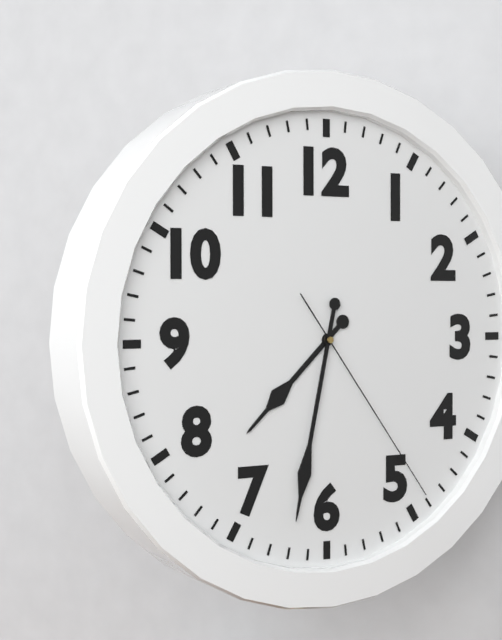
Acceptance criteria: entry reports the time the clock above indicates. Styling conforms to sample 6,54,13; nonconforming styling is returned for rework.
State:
7,32,24
